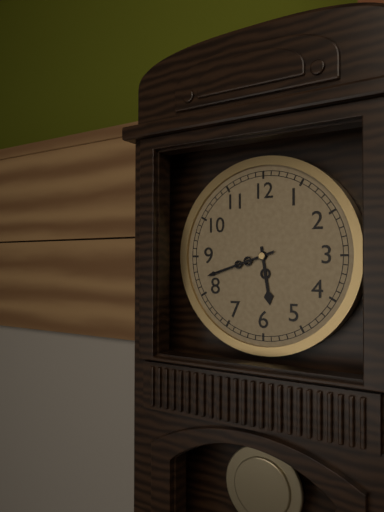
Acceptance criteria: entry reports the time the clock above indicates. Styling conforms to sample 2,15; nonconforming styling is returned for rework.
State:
5,42
